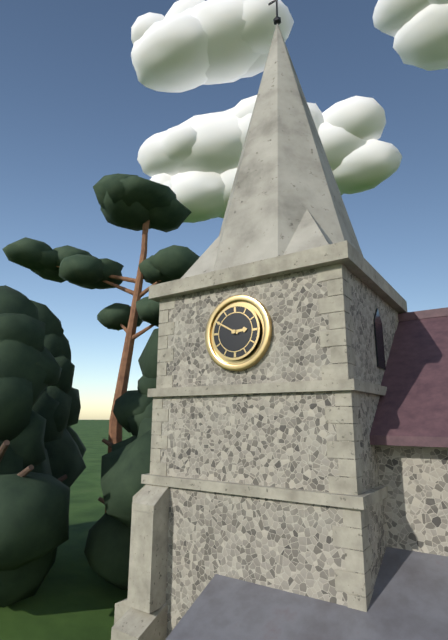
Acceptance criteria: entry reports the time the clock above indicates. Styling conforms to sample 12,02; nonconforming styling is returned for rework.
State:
2,50
